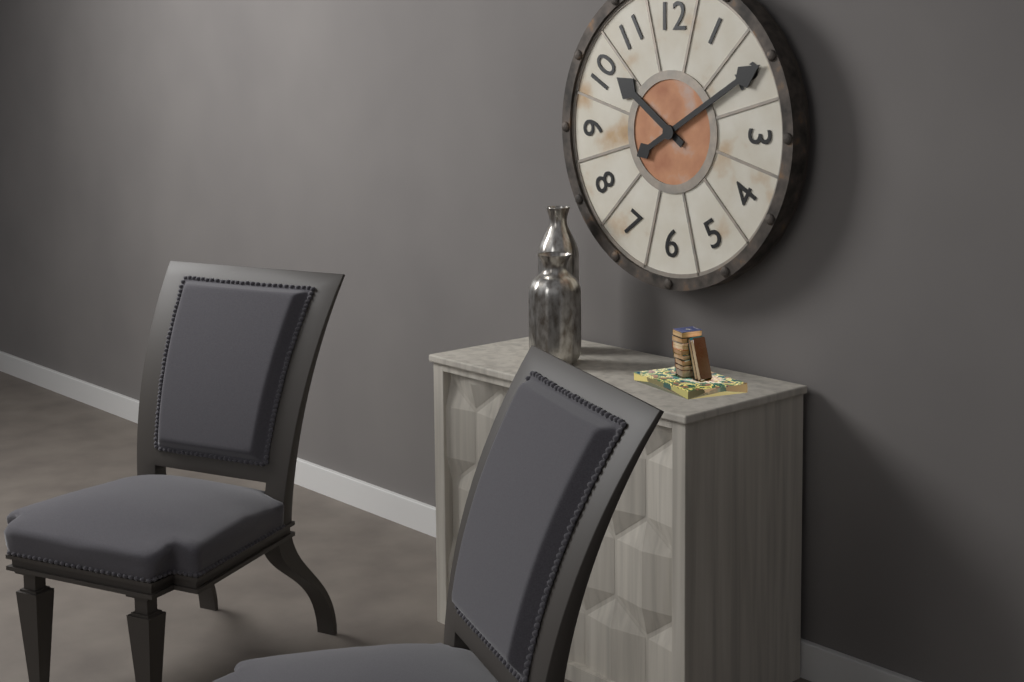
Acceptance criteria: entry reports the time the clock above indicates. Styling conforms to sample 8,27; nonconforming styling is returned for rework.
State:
10,10
